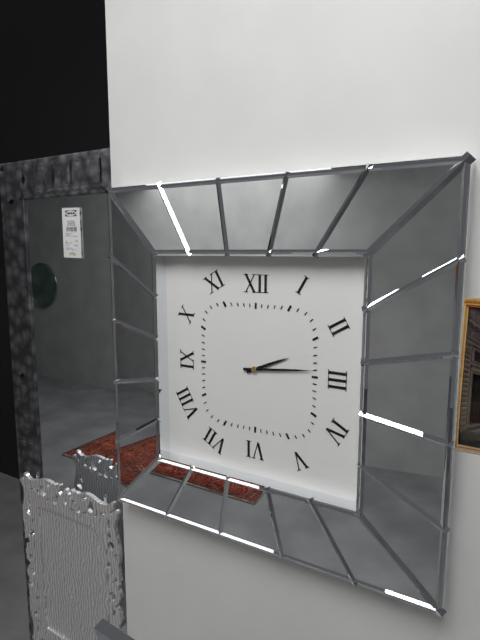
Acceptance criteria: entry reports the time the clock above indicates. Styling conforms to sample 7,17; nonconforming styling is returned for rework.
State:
2,14
